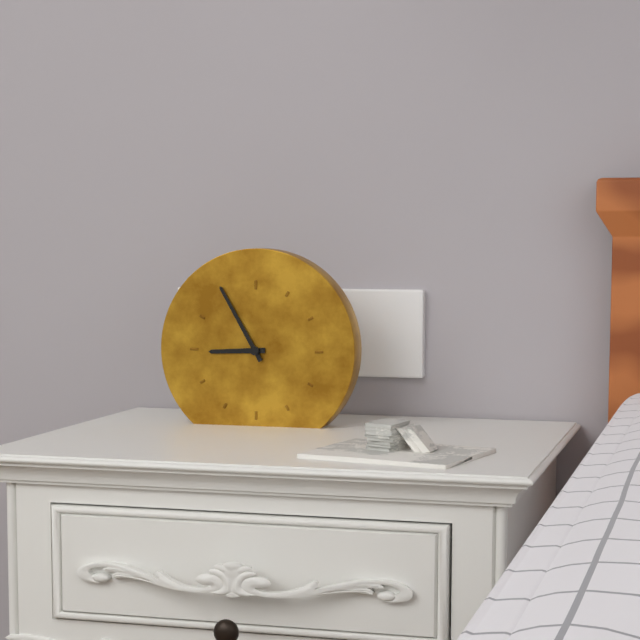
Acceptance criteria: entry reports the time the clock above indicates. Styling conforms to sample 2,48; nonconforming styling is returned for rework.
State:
8,55
